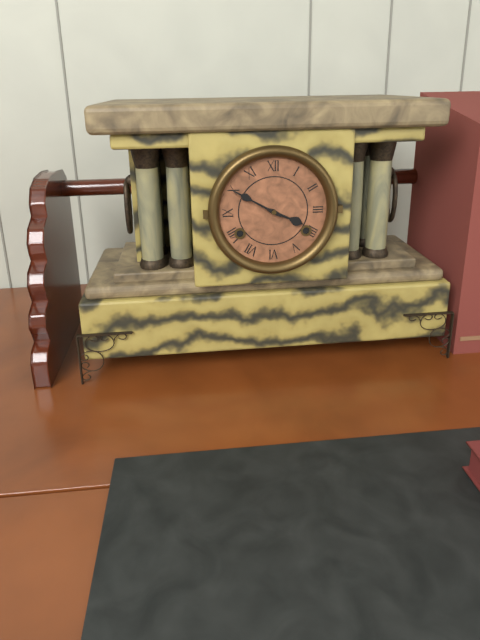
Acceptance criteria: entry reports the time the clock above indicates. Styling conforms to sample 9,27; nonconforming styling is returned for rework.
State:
3,50
